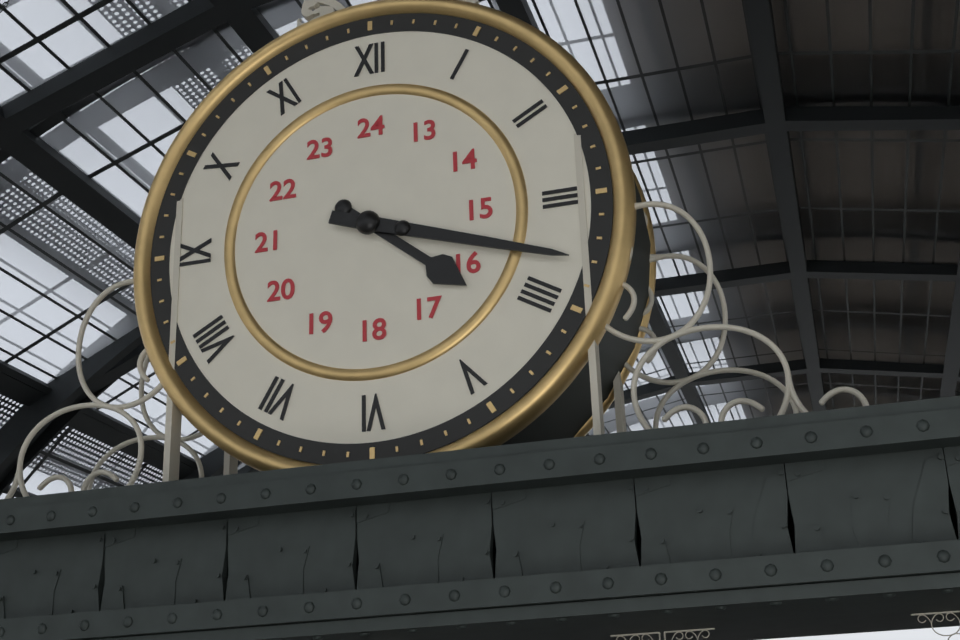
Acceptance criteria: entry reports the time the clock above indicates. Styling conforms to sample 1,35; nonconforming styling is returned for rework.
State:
4,18
